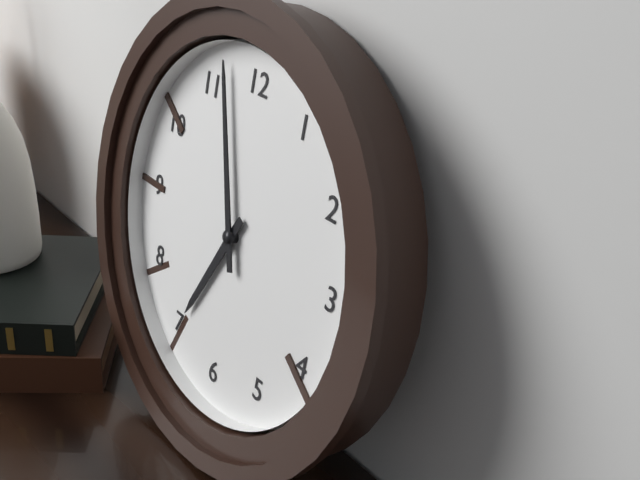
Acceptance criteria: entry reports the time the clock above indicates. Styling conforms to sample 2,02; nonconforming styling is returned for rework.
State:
6,57
